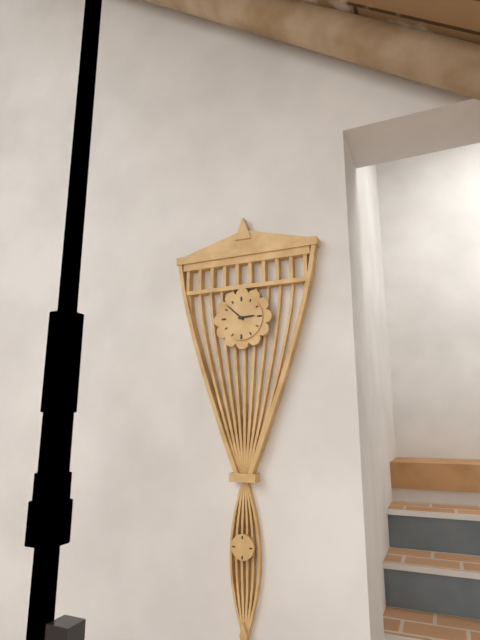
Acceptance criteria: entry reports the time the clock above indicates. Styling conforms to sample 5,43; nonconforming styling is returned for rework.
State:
2,52
